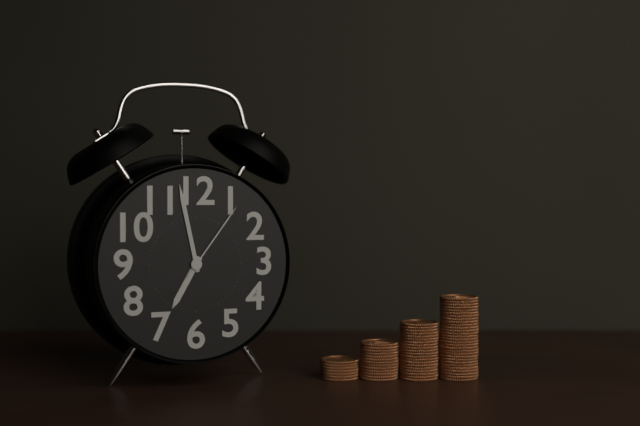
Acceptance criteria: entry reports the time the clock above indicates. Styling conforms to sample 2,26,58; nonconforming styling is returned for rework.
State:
6,58,06
